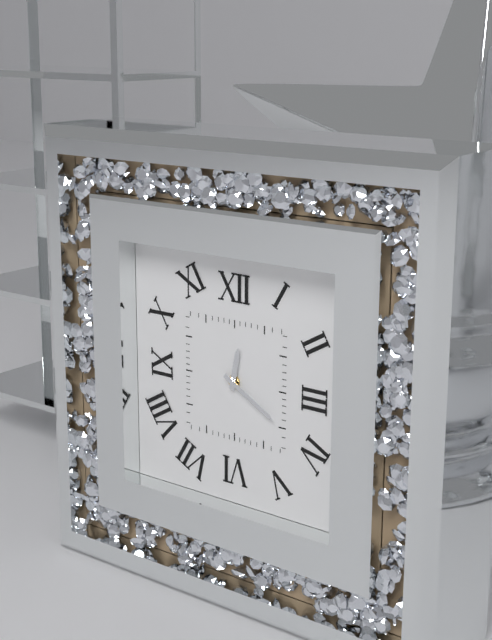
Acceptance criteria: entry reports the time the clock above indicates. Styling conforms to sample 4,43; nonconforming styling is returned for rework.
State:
12,20
